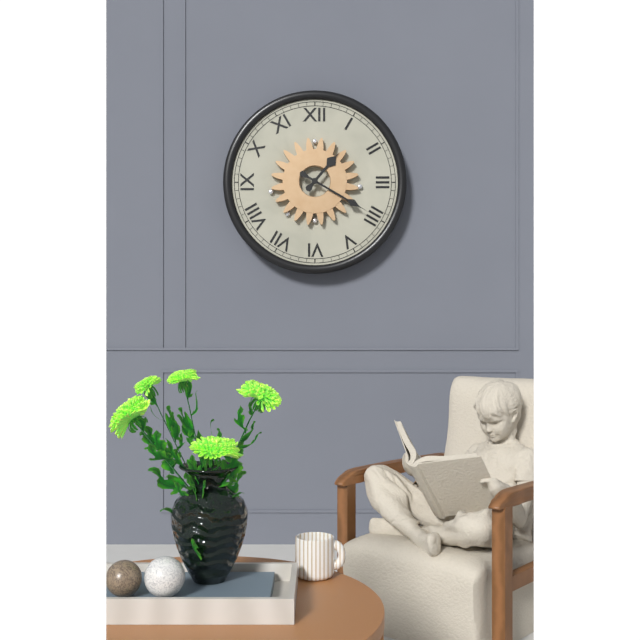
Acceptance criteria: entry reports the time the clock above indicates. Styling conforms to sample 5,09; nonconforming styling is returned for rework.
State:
1,20
